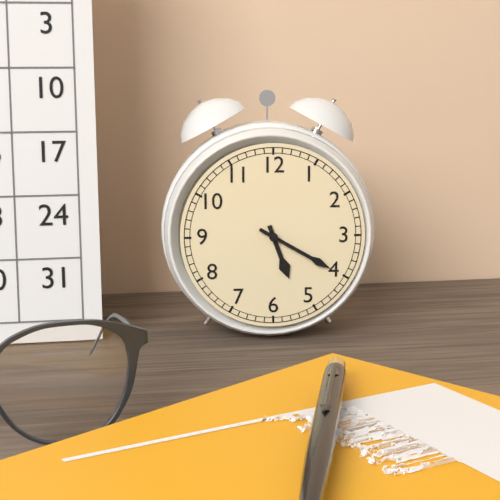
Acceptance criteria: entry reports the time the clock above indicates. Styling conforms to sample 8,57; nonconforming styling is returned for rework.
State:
5,20
